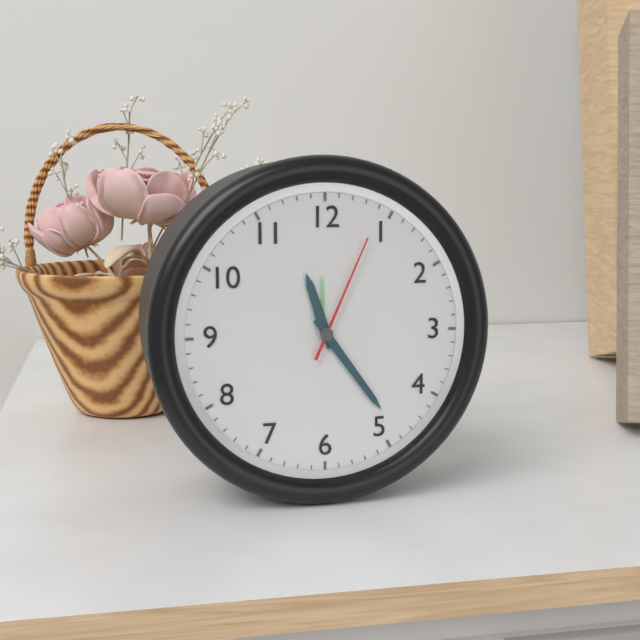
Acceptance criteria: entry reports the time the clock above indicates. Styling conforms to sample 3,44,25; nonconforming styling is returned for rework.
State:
11,24,04
